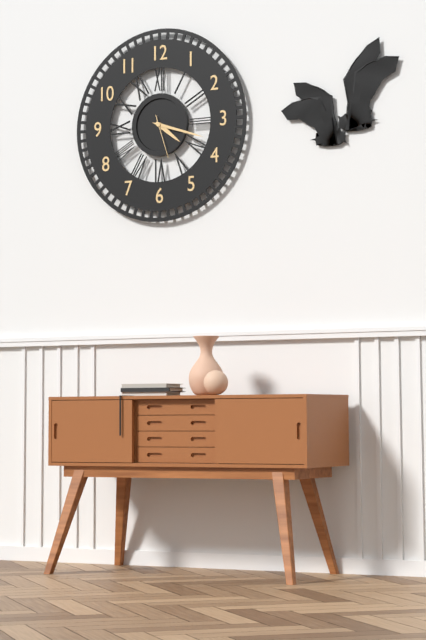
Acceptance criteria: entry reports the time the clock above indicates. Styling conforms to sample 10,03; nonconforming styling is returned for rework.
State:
4,18
